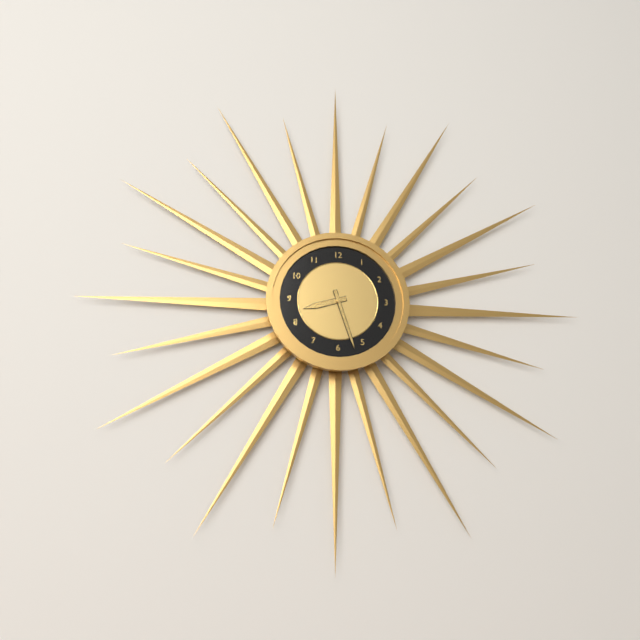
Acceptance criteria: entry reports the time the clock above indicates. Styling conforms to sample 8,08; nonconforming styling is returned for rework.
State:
8,27
